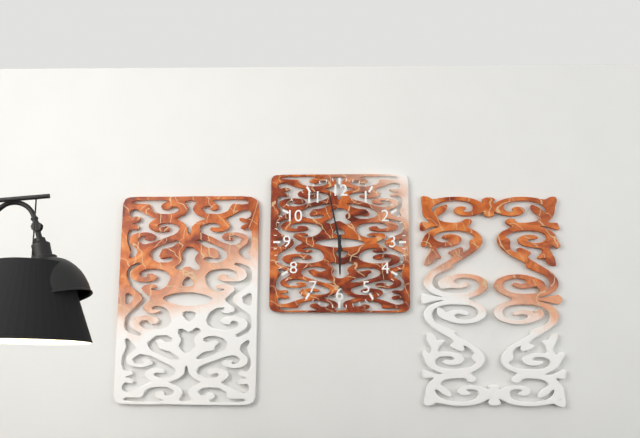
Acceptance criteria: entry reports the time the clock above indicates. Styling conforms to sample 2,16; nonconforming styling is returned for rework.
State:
5,58
